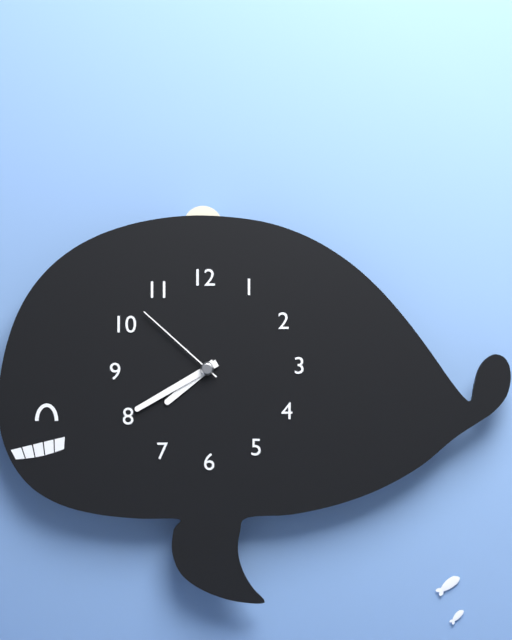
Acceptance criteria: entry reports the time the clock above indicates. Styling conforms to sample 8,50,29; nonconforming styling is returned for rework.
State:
7,40,52
